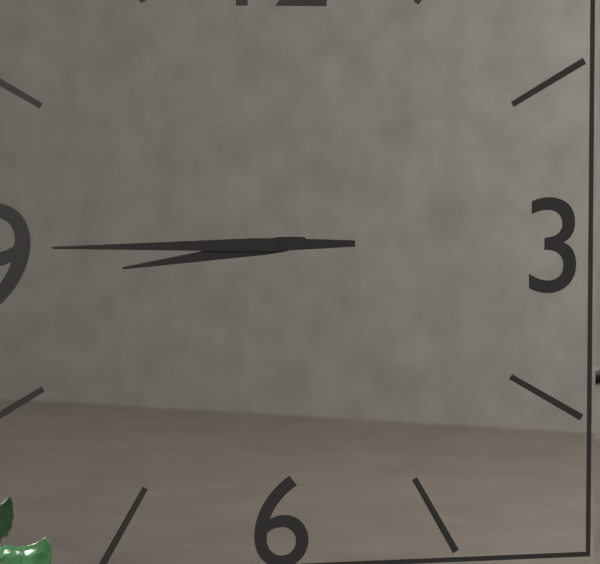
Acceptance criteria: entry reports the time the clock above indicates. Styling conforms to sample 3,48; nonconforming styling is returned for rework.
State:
8,45
